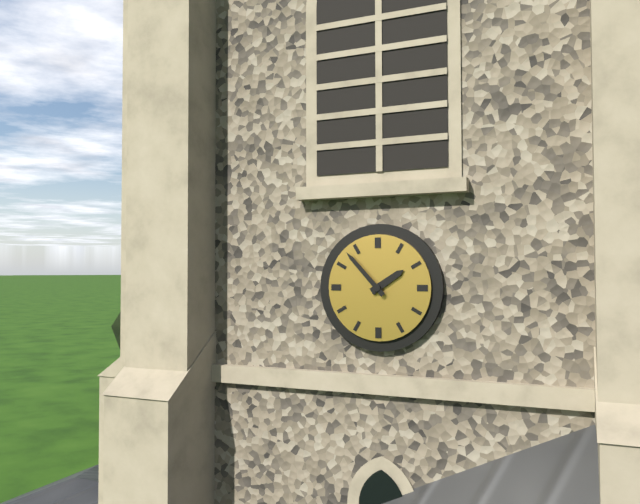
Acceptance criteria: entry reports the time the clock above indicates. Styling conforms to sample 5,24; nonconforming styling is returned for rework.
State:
1,53
